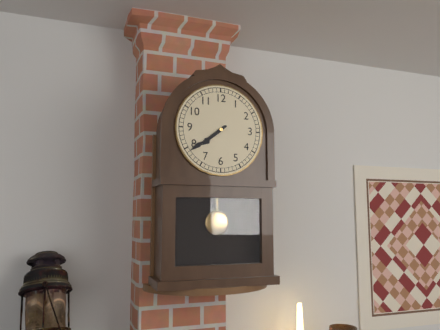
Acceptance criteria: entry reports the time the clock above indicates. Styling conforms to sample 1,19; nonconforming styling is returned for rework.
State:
7,39
